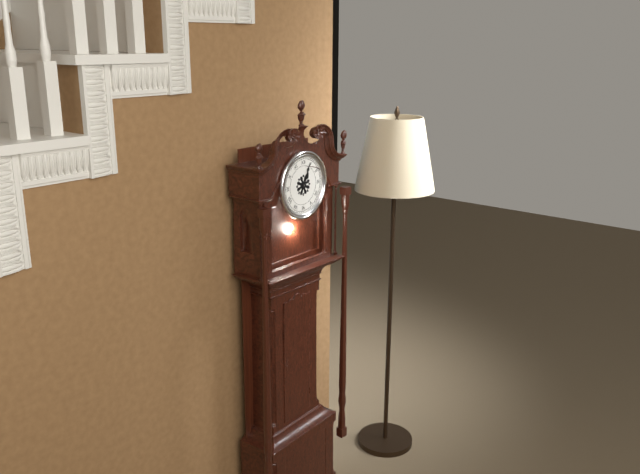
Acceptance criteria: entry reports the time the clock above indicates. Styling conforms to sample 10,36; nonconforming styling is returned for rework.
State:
1,04
